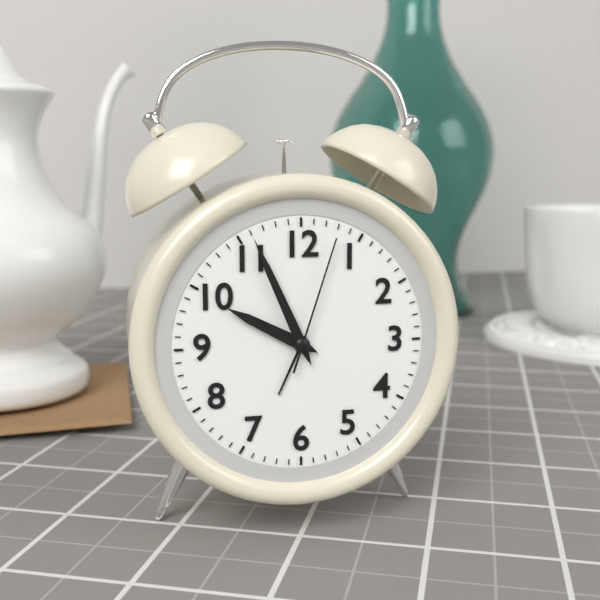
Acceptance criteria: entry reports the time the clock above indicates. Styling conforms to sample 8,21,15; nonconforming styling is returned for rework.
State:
9,56,03
